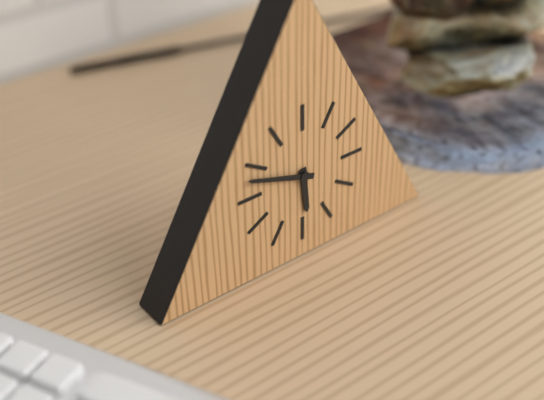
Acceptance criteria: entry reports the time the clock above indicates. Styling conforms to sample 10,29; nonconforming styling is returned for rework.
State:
5,48
